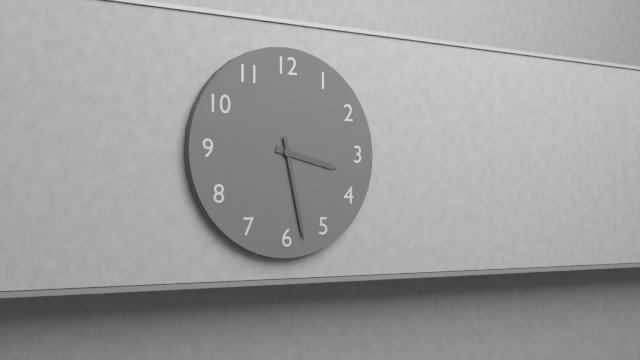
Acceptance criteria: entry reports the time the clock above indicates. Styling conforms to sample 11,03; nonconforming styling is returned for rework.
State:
3,28
